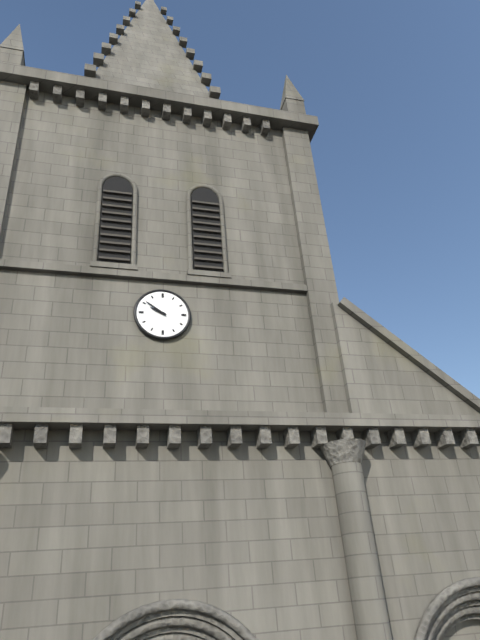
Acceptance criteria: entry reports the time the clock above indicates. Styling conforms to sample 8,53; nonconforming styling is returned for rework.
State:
9,51
